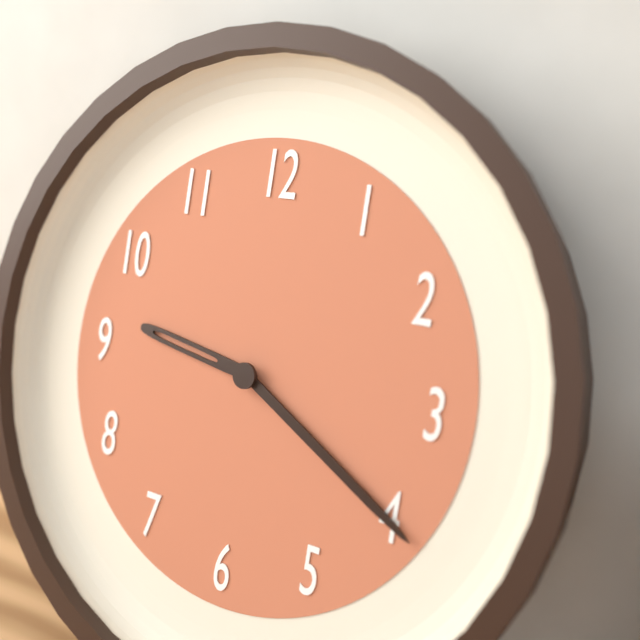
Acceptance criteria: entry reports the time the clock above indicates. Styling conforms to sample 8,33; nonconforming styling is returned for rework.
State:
9,20
